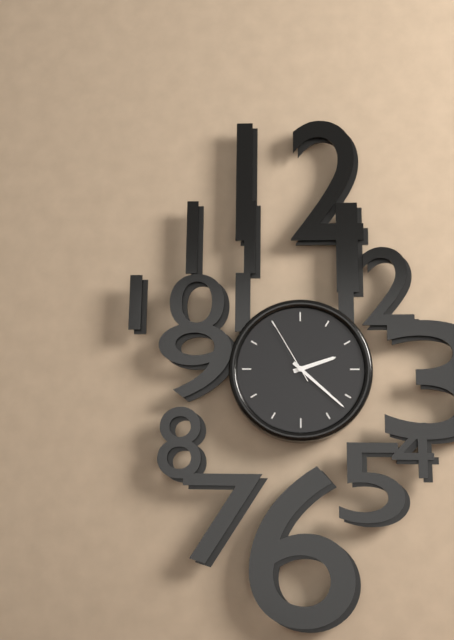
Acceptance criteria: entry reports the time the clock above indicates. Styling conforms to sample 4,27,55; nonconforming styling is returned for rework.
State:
2,22,55
